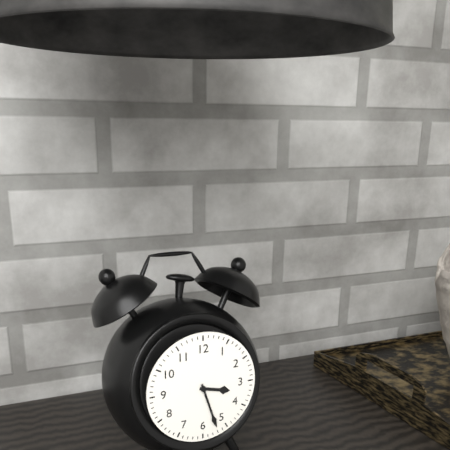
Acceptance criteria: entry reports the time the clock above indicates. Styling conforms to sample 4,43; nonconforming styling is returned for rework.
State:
3,27
